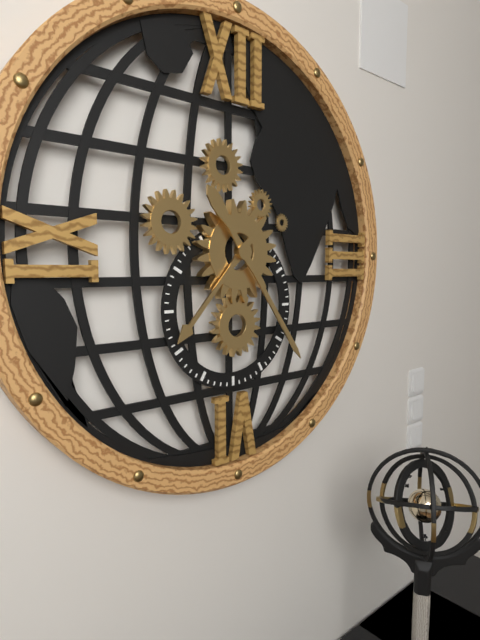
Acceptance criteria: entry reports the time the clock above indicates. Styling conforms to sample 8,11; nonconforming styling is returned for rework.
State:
7,24
